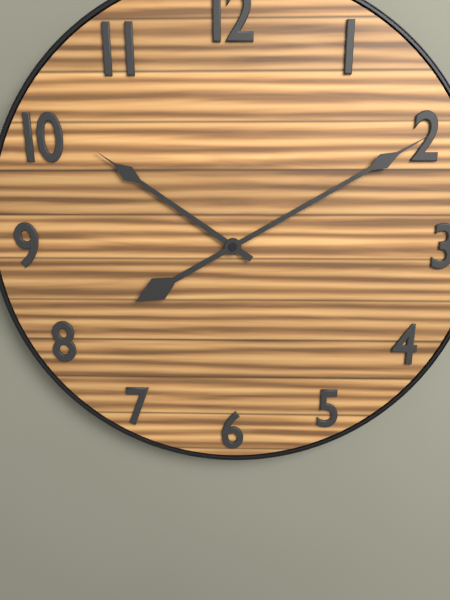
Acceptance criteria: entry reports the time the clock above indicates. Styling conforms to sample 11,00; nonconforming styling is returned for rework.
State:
10,10
